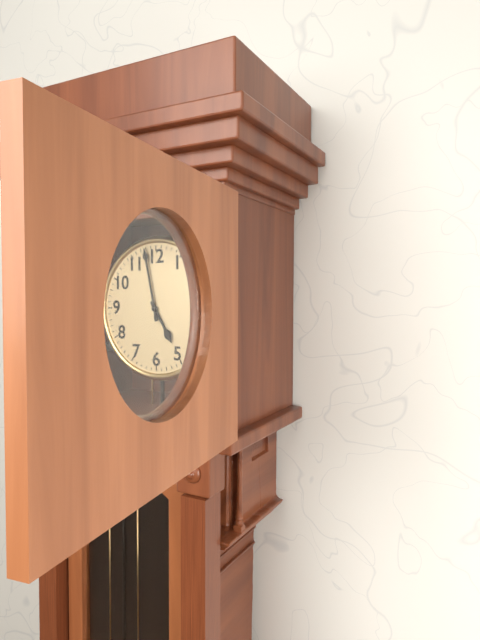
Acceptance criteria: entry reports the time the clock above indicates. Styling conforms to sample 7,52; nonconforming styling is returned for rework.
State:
4,58
